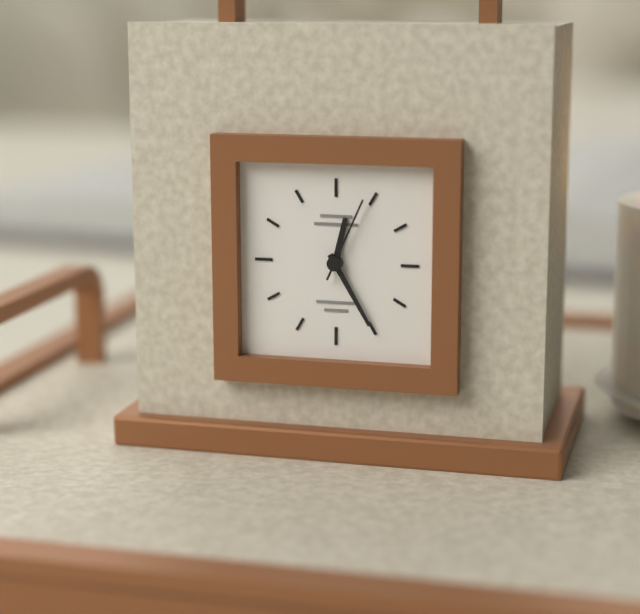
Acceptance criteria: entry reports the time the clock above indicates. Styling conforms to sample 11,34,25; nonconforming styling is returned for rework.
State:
12,25,04
